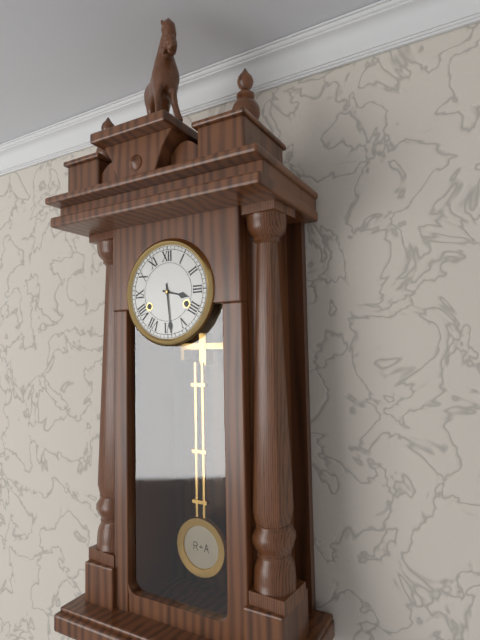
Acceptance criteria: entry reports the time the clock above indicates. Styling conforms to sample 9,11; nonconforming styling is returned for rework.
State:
3,29
